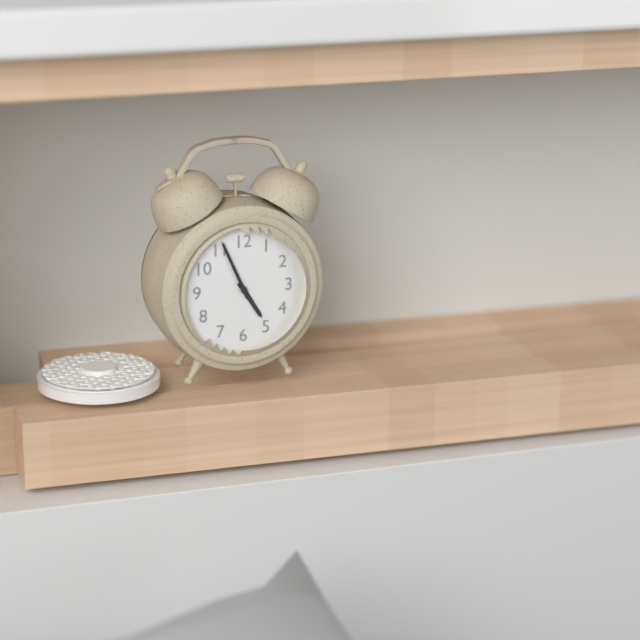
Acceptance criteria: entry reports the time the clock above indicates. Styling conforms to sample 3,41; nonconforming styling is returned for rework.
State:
4,56
